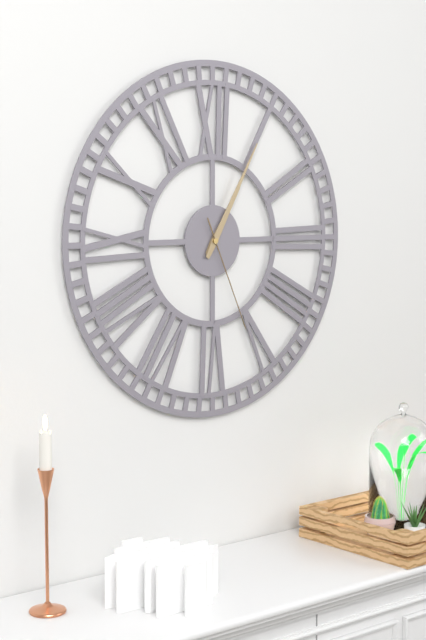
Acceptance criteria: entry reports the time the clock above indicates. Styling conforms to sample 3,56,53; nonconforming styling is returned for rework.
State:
1,05,26
